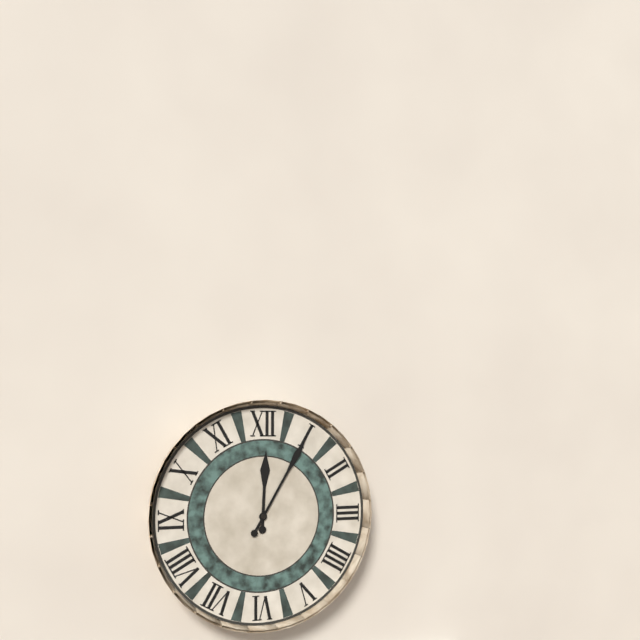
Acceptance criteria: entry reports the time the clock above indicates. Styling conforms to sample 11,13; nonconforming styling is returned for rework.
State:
12,05
